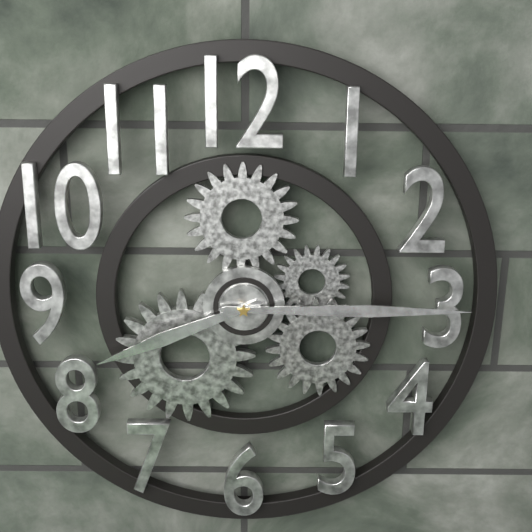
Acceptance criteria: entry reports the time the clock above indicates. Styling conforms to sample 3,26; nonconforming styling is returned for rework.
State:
8,15
